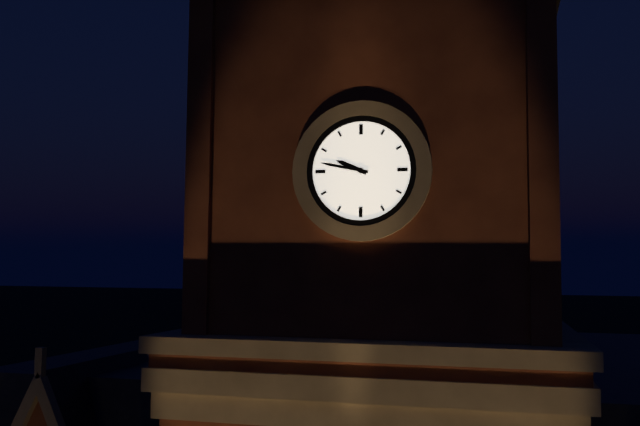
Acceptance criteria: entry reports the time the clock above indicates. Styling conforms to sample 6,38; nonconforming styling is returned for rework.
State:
9,47
